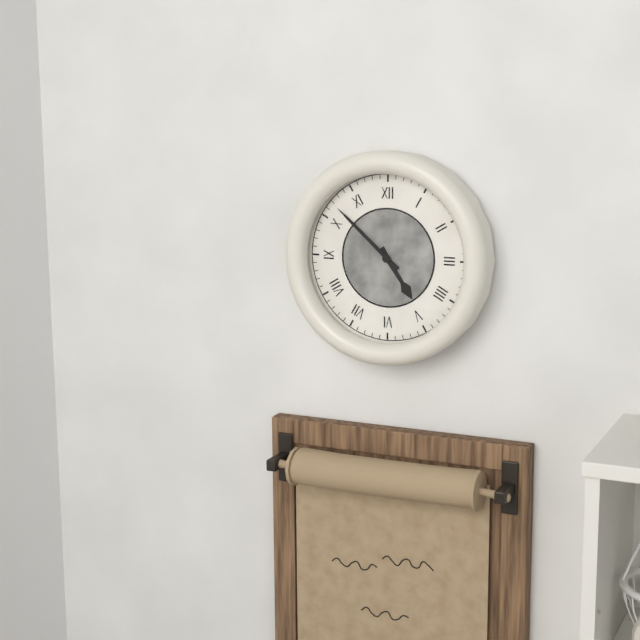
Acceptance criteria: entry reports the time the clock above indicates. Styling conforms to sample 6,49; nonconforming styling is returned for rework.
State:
4,52
